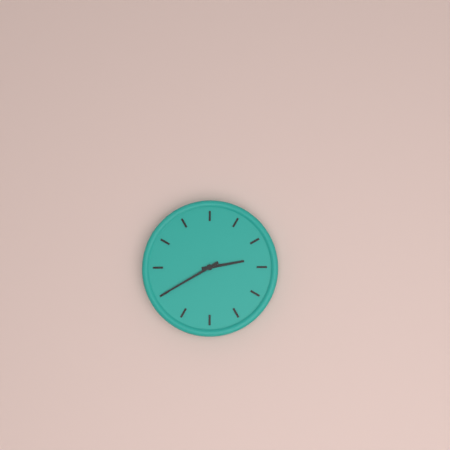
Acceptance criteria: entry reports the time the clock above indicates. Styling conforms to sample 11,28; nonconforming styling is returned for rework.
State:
2,40
